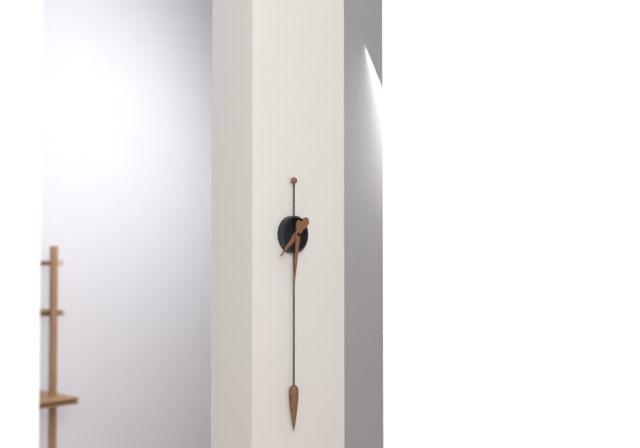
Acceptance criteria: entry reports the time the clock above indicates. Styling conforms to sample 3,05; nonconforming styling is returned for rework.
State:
7,31
